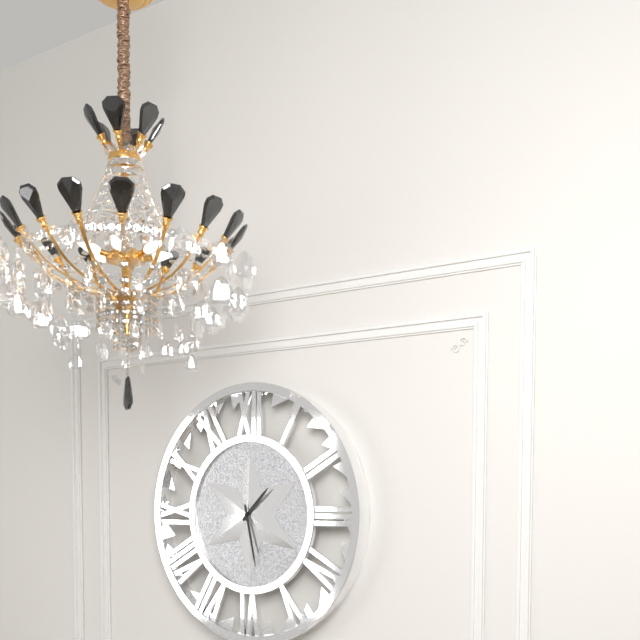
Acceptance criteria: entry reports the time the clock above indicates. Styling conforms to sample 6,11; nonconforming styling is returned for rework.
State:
1,28
